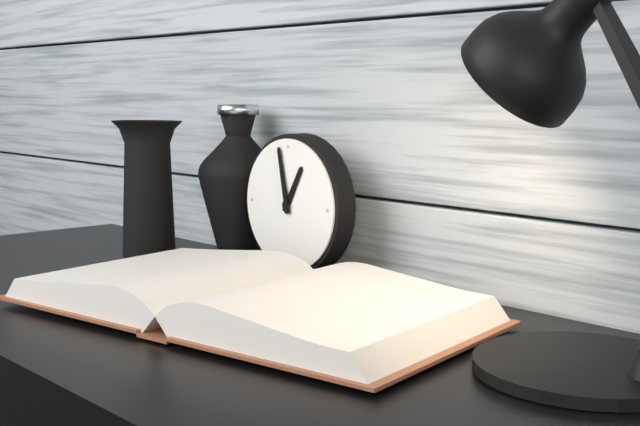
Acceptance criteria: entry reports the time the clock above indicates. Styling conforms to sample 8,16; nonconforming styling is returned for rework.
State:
12,58
